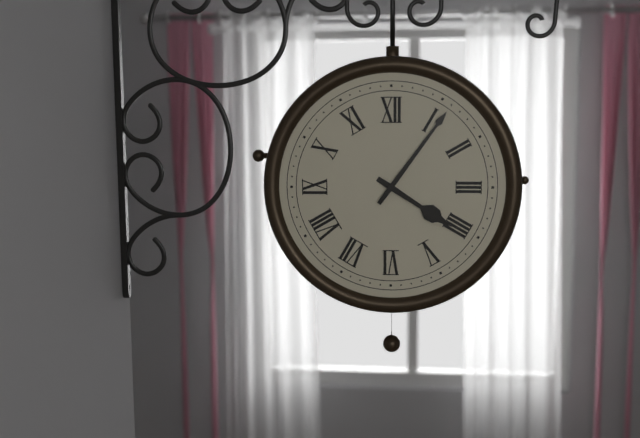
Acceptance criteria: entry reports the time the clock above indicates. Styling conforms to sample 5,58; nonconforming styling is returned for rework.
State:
4,06
